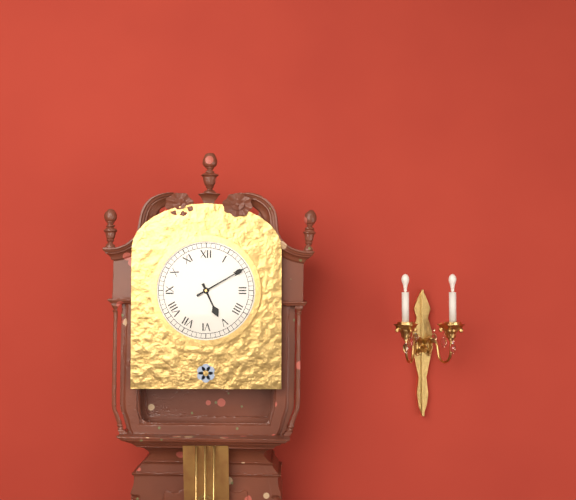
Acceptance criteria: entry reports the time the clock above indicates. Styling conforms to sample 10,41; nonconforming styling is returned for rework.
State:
5,10
